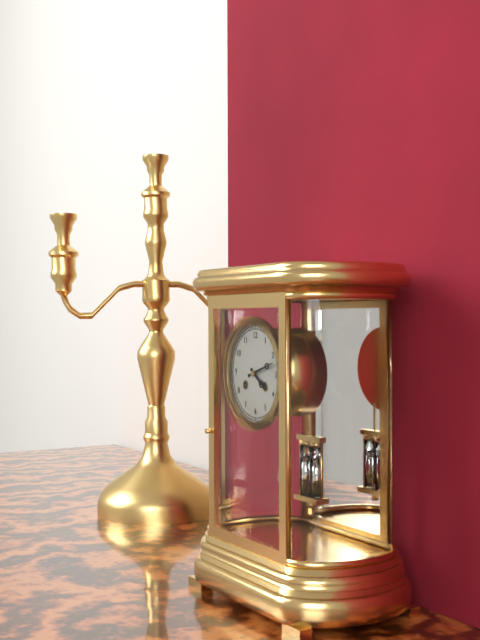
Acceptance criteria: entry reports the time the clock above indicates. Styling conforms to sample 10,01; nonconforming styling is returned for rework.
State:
4,12
